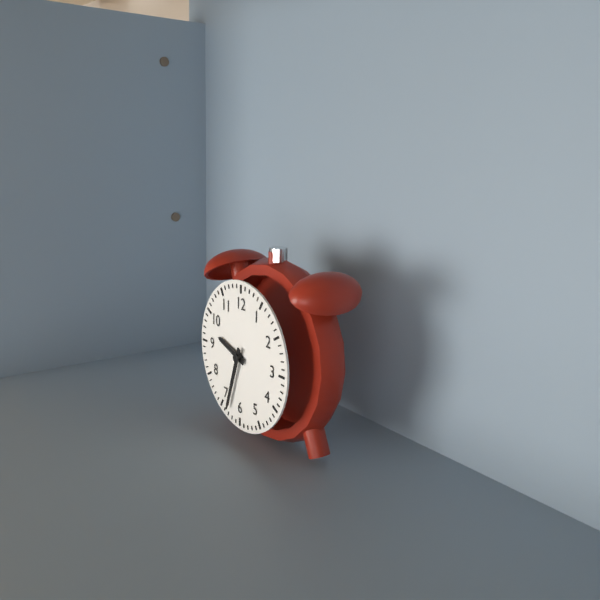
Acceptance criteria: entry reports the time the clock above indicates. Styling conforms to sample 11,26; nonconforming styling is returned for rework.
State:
9,33
